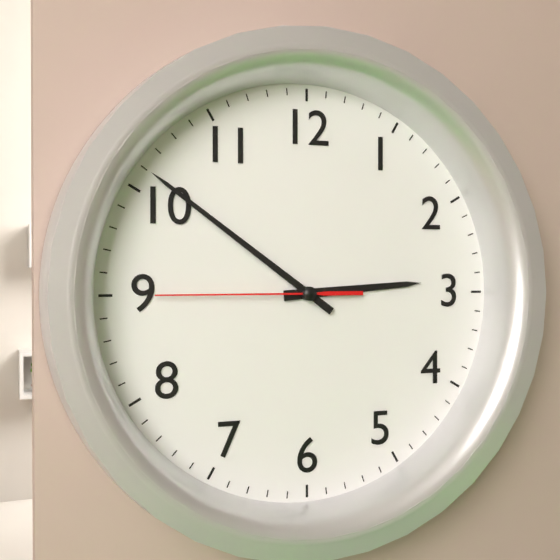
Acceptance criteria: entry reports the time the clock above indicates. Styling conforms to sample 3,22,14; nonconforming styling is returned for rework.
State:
2,51,45
